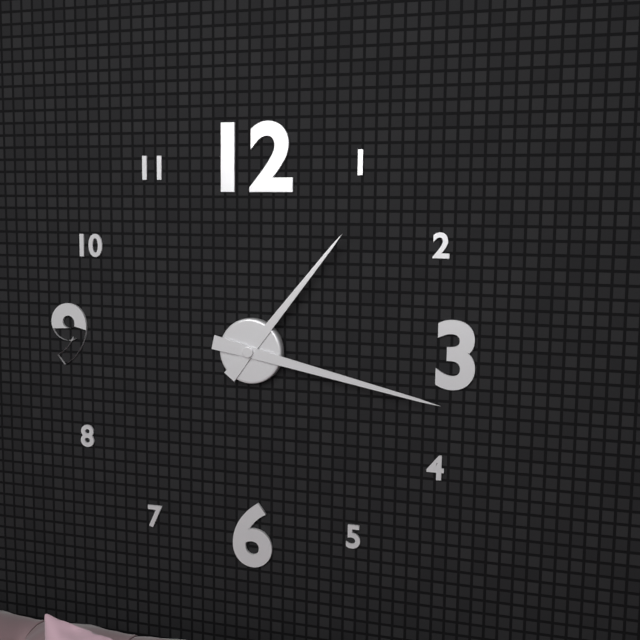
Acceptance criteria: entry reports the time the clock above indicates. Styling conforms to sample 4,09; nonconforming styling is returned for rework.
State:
1,17
